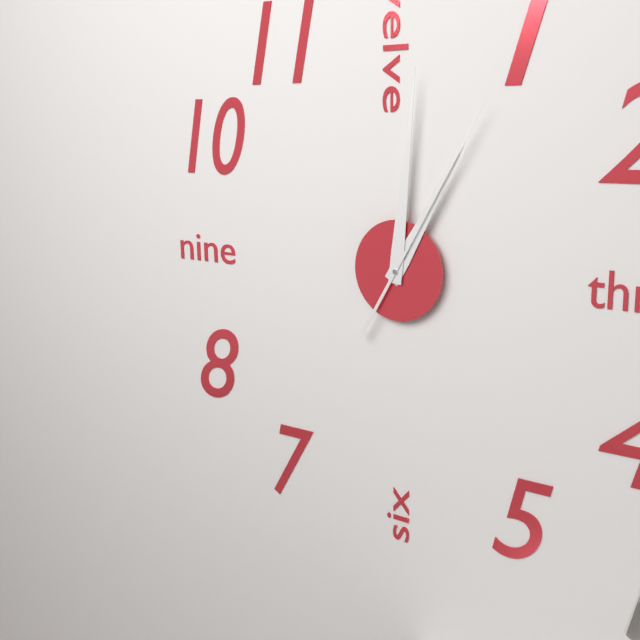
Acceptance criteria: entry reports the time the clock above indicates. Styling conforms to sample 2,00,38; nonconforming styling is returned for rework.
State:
1,01,05
